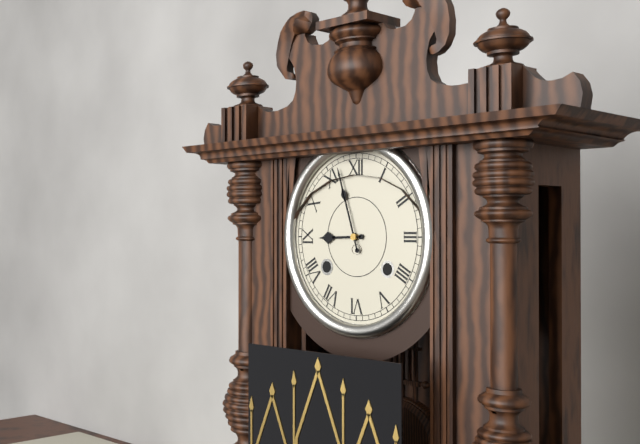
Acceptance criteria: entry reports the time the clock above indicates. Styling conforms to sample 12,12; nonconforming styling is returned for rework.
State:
8,57
